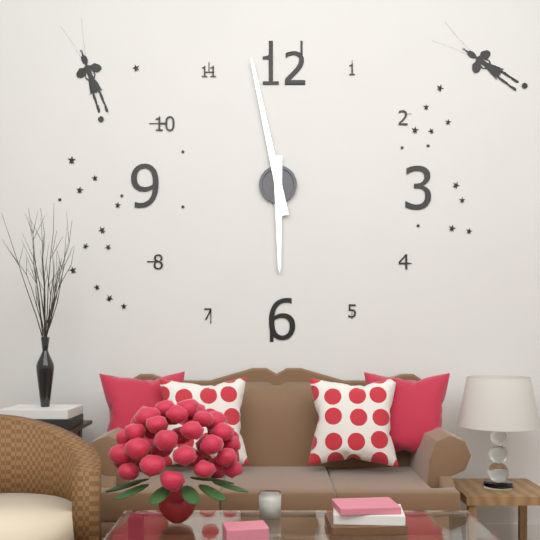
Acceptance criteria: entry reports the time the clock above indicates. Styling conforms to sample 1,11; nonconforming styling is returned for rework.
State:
5,58
